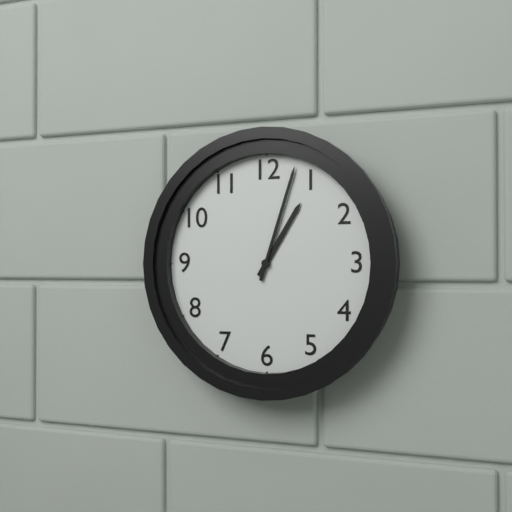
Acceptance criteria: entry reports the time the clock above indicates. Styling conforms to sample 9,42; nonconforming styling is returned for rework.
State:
1,03
